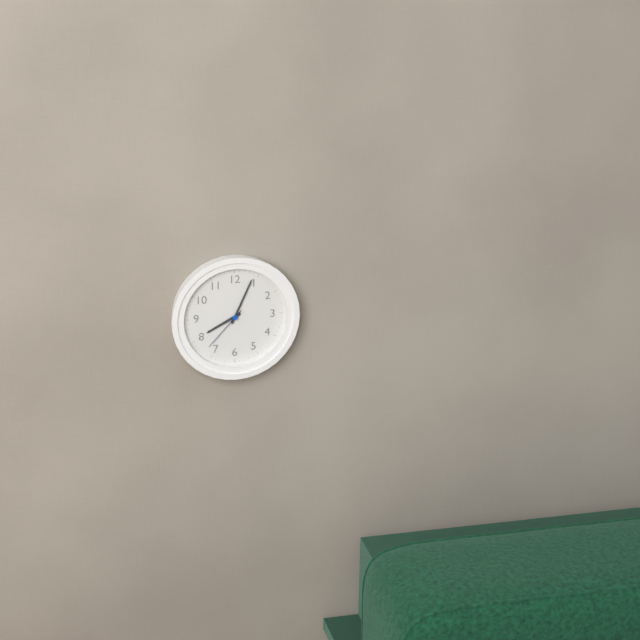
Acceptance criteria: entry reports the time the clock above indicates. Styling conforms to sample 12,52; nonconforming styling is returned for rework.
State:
8,04
